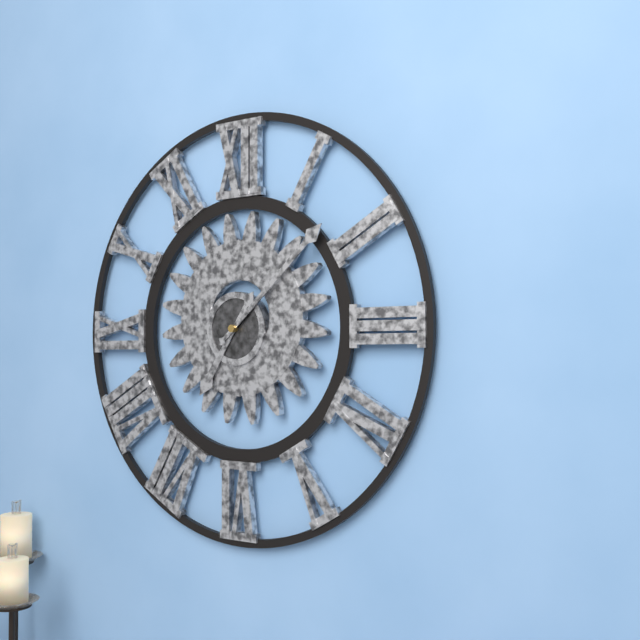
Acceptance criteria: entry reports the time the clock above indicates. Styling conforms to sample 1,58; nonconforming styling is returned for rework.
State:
7,08
